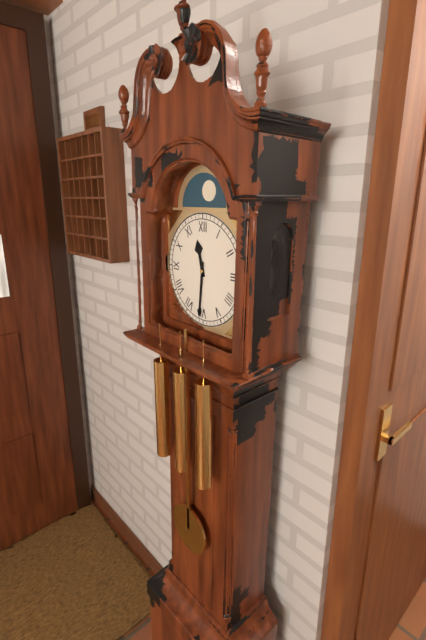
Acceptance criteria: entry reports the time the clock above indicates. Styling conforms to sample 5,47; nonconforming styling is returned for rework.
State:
11,31
